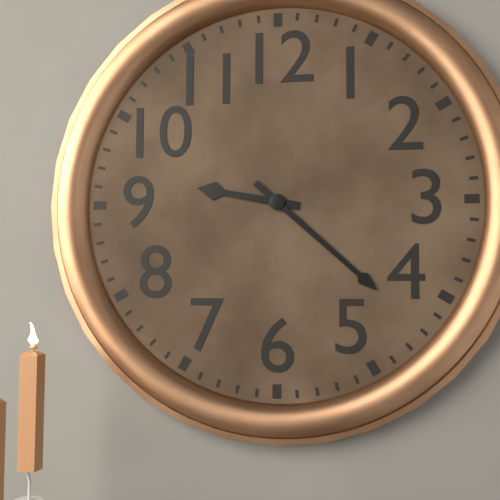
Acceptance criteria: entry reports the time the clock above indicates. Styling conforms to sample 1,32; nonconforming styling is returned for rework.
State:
9,22
